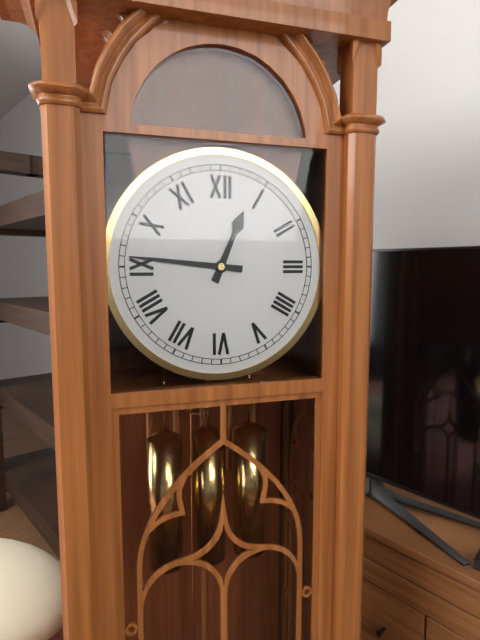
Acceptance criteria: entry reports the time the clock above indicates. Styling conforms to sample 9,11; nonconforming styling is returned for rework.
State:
12,46
